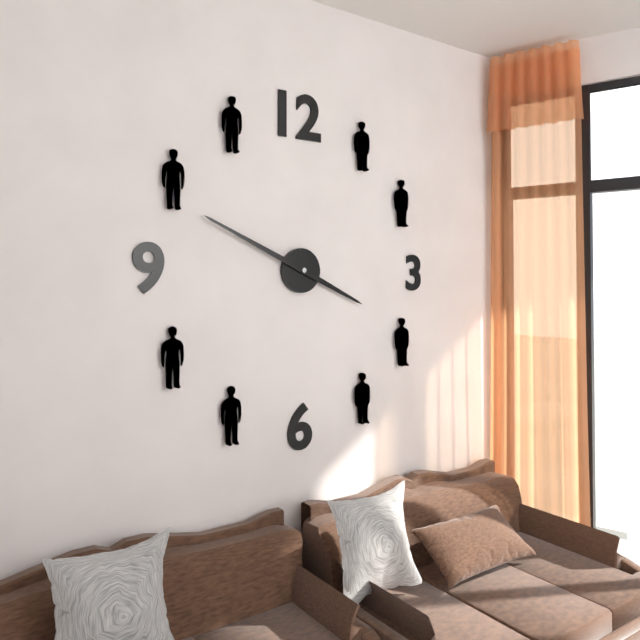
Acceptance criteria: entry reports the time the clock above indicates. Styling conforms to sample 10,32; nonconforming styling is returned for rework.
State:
3,49
